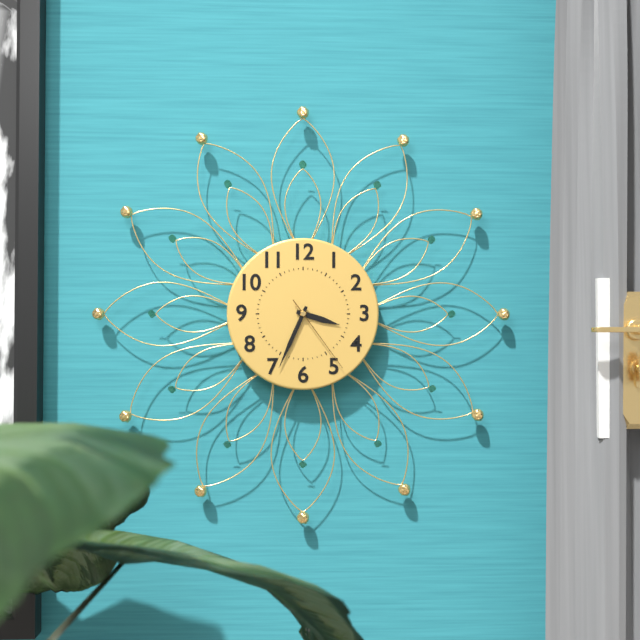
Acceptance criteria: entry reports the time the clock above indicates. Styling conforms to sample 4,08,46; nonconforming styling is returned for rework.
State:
3,34,24
